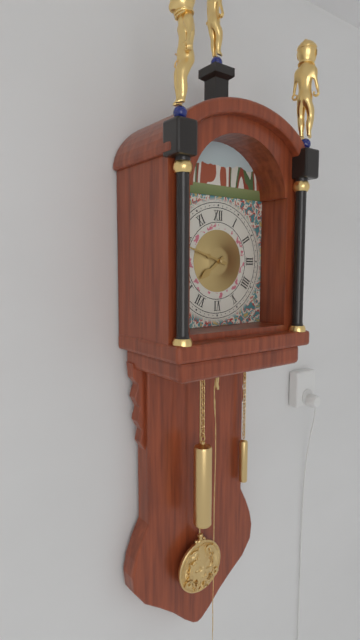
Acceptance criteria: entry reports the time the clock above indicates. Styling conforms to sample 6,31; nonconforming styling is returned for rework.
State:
7,48
